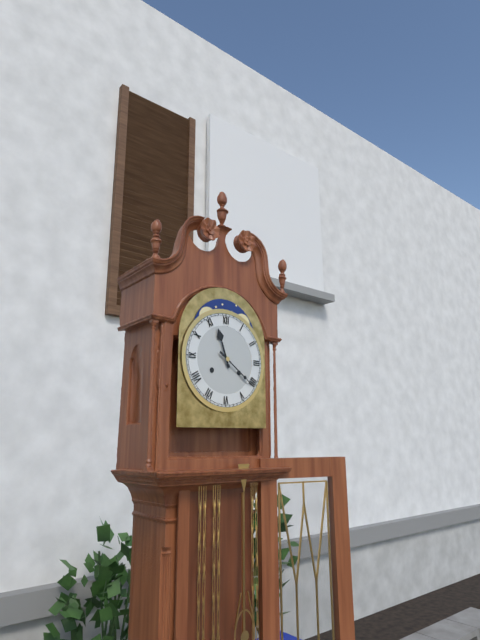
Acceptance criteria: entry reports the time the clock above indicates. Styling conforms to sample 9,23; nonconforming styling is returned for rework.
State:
11,21
